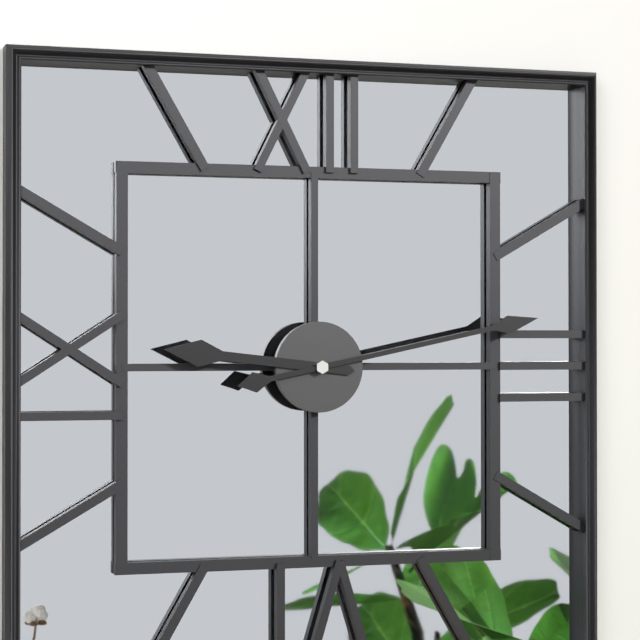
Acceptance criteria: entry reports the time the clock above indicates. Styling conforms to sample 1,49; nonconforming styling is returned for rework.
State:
9,13
